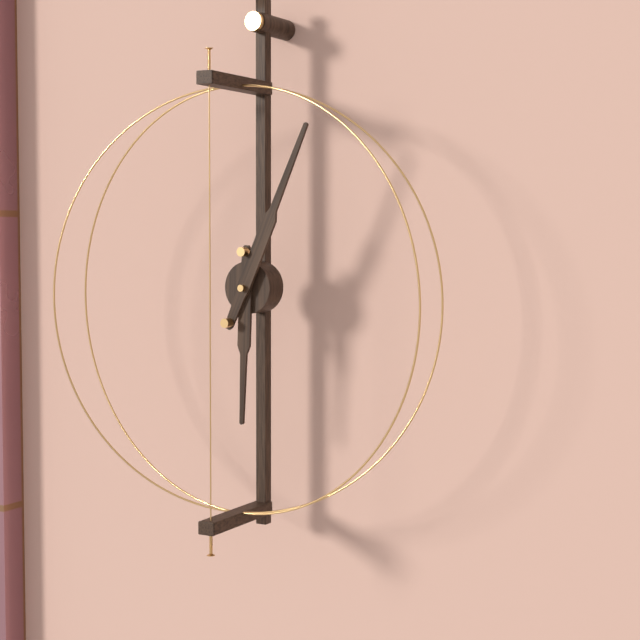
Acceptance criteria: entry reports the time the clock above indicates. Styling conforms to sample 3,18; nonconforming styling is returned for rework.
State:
6,04
